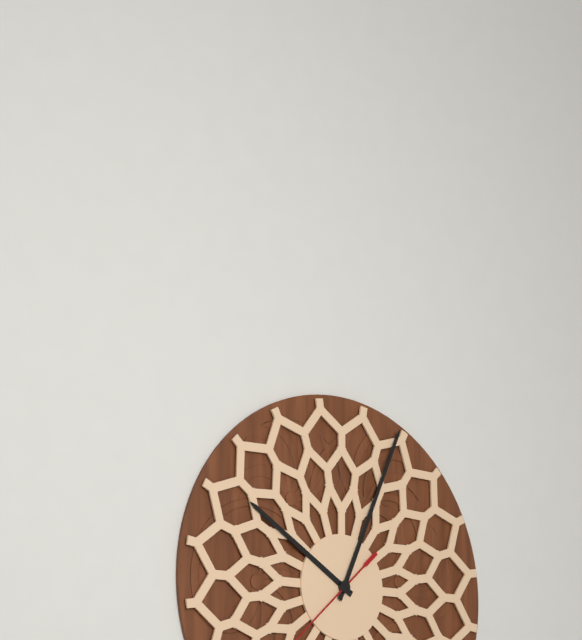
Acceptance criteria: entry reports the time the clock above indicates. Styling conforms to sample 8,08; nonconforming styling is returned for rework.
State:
10,04
